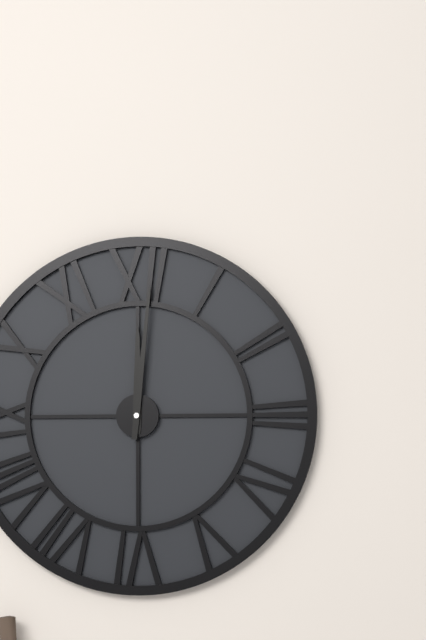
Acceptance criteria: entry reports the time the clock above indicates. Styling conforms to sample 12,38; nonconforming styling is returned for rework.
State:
12,01
